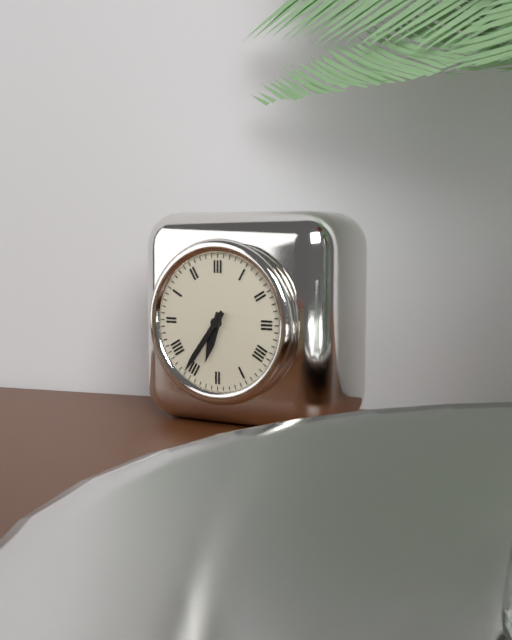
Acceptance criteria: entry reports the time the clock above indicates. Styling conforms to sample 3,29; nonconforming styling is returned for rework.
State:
6,36
